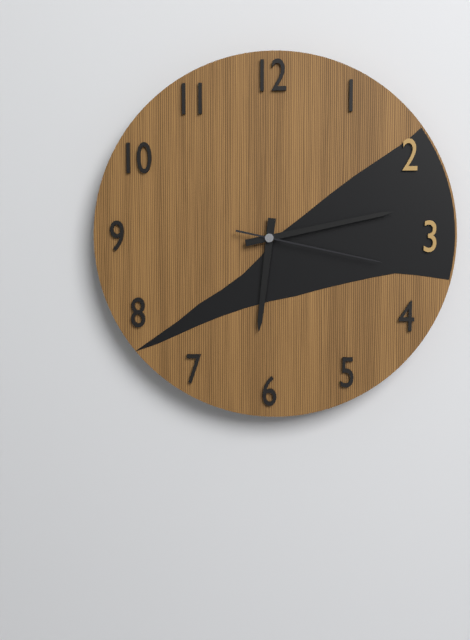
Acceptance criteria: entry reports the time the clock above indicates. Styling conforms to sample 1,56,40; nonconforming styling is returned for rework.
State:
6,13,17
